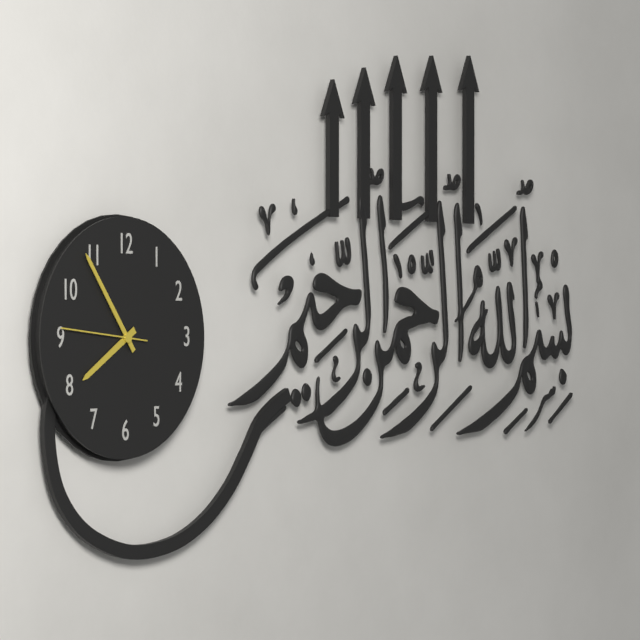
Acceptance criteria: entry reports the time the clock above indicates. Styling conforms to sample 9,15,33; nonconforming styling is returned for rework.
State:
7,54,46
